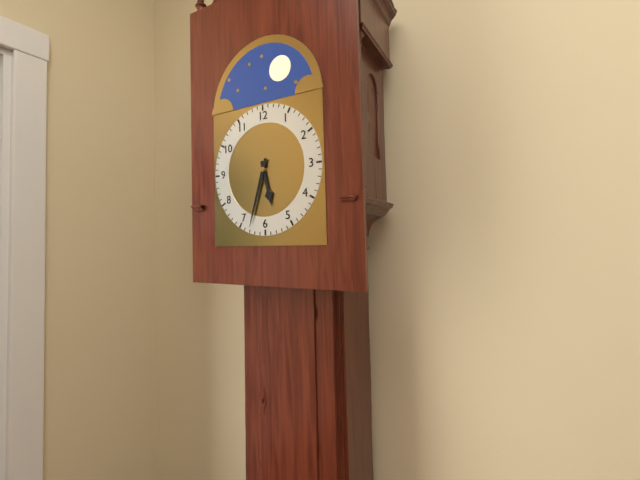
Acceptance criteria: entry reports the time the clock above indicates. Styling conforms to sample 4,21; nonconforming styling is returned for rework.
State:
5,33
